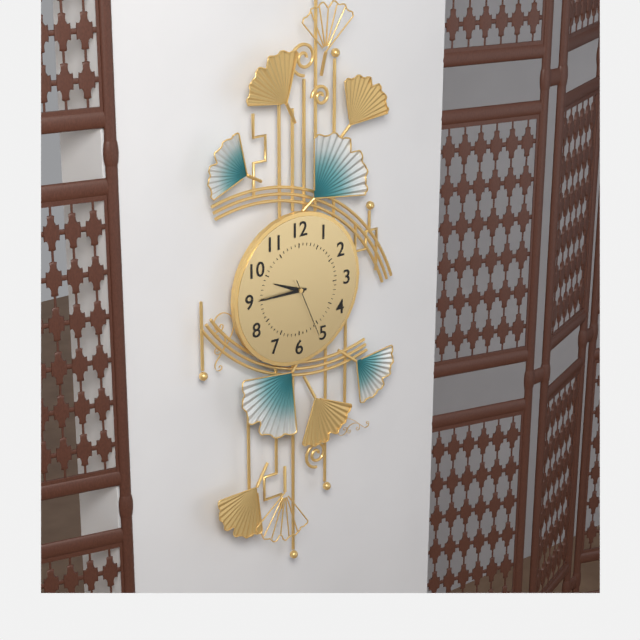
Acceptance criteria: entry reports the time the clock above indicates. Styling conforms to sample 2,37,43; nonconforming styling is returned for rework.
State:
9,45,26
